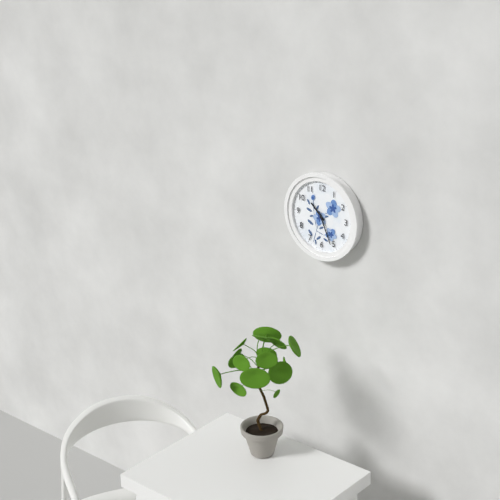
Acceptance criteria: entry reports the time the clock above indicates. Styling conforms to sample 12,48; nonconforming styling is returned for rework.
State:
10,26
